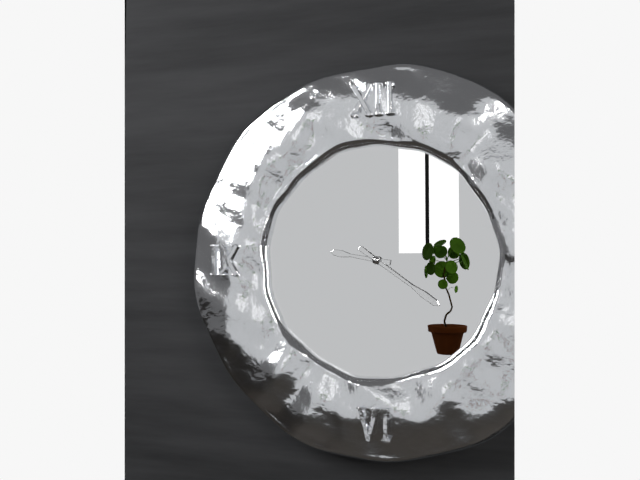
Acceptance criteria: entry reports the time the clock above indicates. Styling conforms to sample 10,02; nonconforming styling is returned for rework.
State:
9,21
